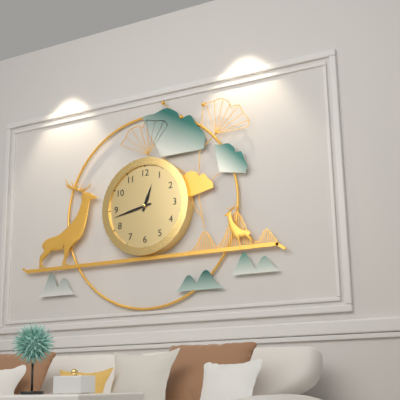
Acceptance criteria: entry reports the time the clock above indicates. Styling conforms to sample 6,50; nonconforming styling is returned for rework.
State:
12,43
